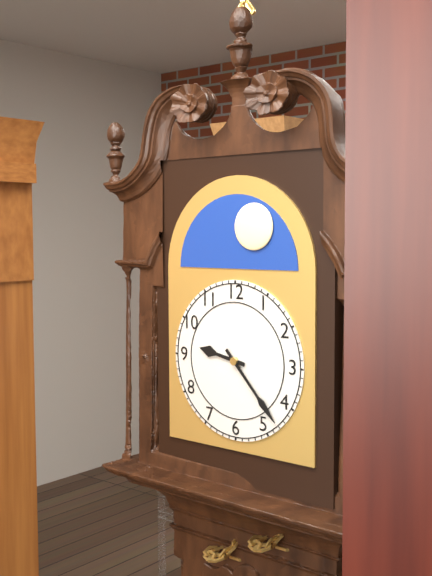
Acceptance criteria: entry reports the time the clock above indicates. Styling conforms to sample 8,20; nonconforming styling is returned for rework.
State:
9,23
